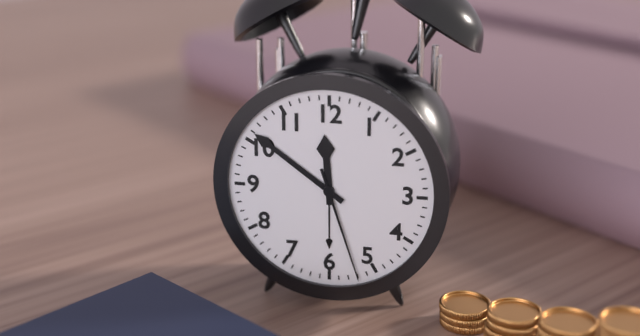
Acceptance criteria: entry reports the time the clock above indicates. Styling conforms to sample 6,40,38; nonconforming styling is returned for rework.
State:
11,51,27
